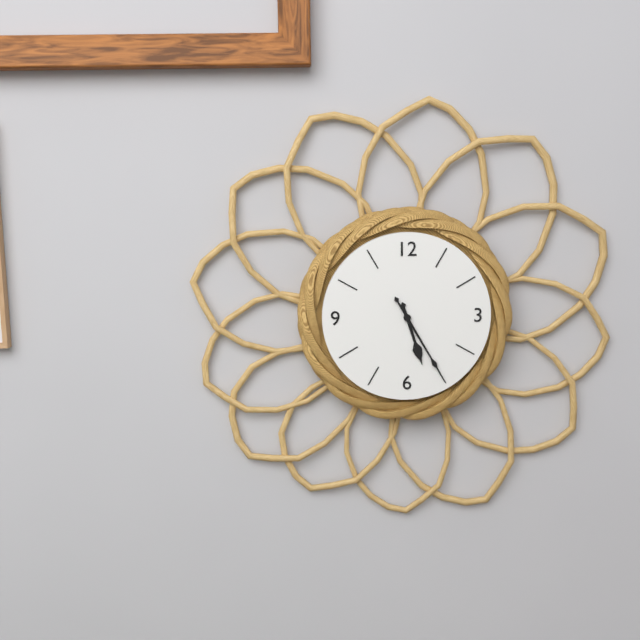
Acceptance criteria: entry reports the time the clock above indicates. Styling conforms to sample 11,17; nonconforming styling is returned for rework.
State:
5,25
